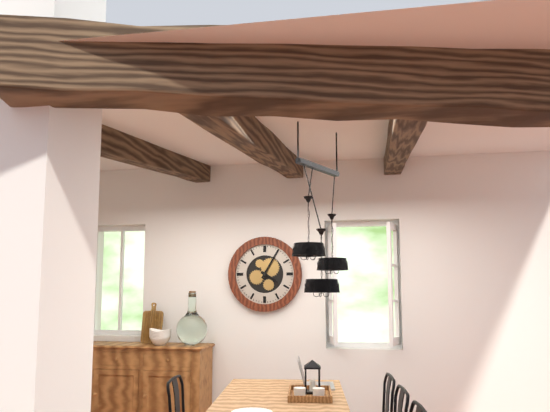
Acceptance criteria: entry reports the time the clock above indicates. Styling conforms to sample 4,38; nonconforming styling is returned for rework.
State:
4,05
